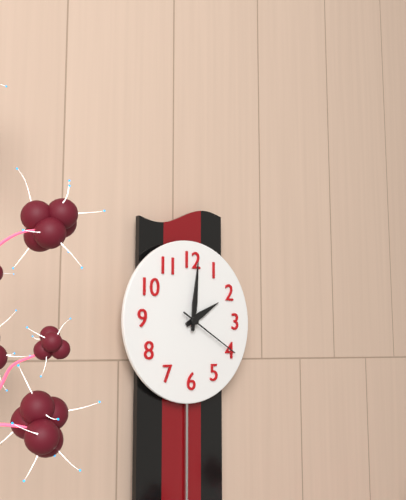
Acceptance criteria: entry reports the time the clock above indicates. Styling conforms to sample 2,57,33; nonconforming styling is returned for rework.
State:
2,01,20
